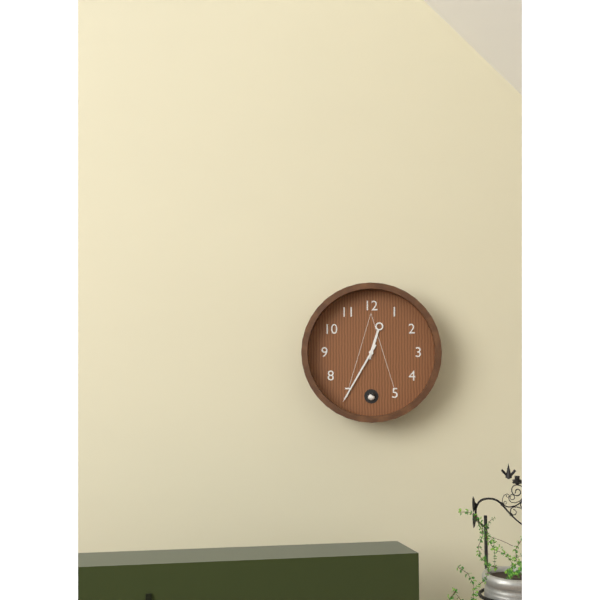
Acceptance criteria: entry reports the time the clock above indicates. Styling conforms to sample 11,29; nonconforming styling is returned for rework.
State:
12,35
